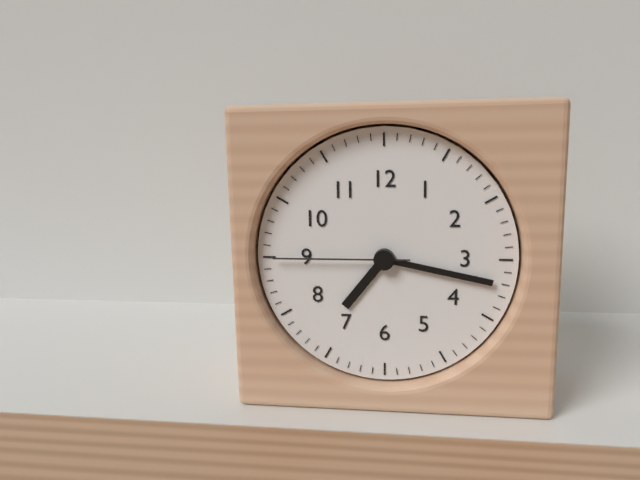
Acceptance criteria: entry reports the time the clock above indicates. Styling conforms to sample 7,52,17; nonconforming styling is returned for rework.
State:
7,17,45
